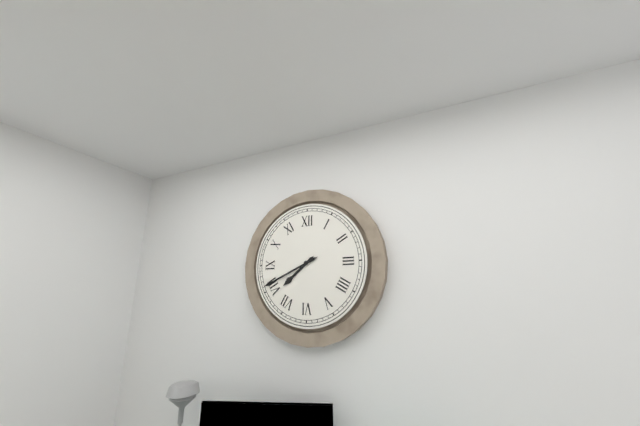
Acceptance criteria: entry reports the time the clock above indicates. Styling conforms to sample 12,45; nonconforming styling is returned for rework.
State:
7,41
